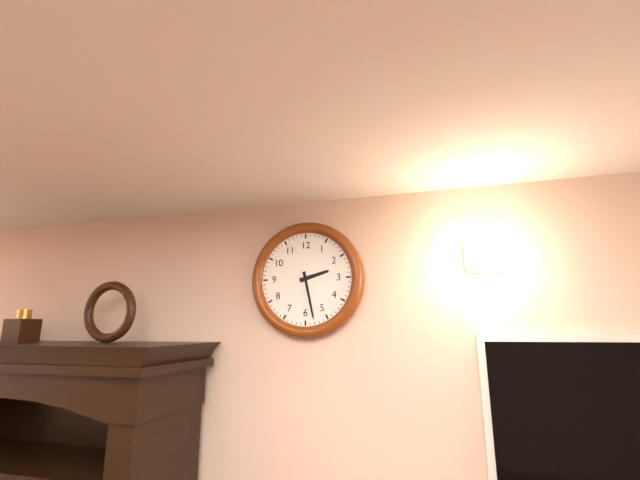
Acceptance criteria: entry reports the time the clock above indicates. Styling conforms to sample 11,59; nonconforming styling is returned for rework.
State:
2,28
